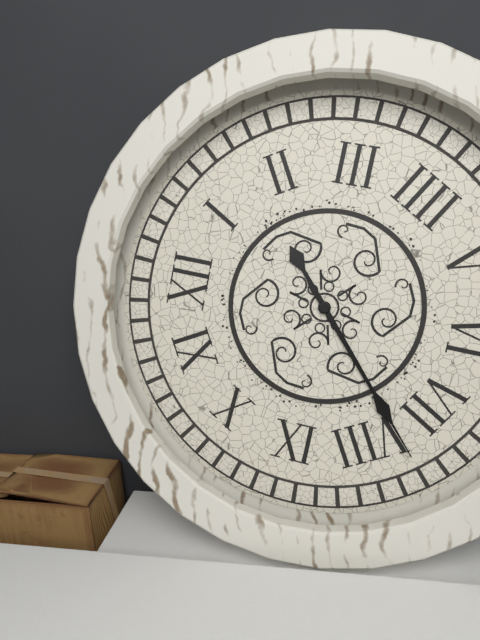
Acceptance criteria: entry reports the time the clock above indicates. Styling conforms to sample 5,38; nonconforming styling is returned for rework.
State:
1,38
